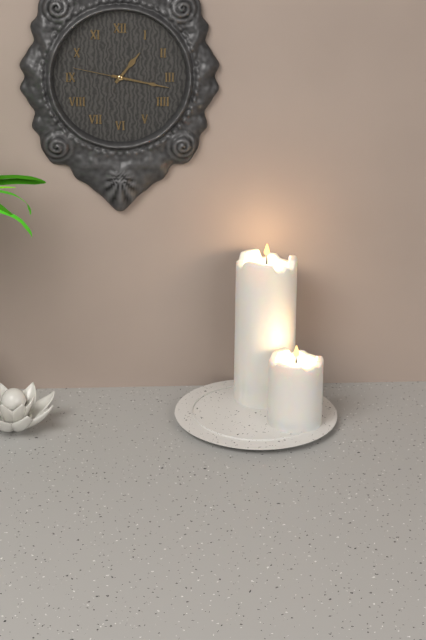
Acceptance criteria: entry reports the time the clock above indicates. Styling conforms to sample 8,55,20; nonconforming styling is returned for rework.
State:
1,17,47
